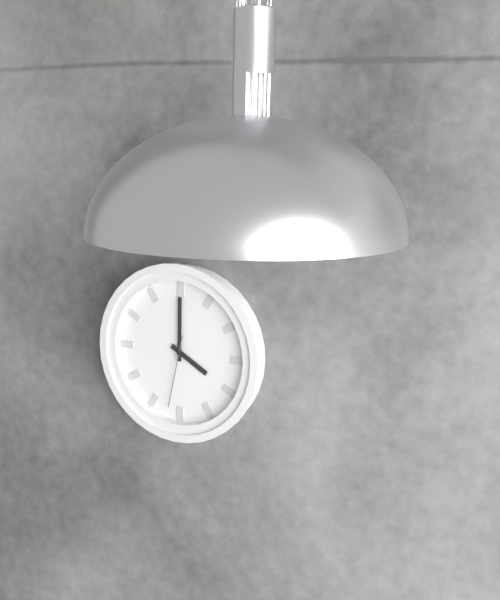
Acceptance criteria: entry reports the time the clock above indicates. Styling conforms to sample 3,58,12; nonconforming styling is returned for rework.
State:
4,00,32
